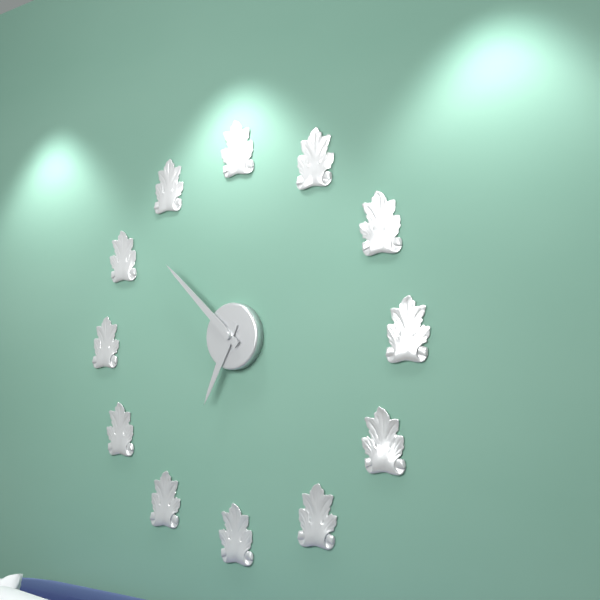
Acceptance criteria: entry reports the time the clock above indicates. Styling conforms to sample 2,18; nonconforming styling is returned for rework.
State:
6,52
